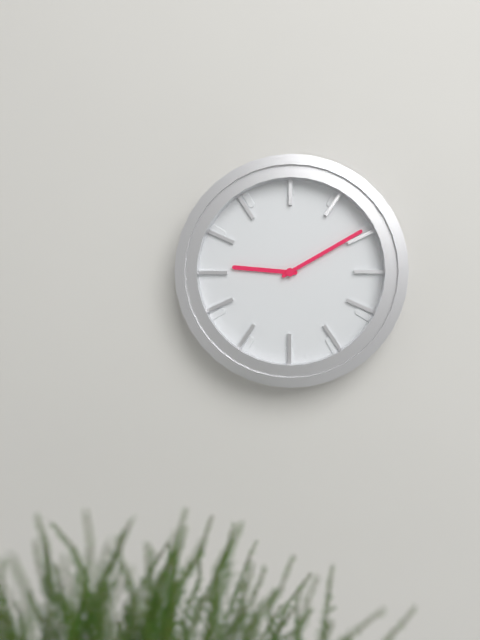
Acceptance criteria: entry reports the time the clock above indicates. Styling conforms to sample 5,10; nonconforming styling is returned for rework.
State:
9,10
